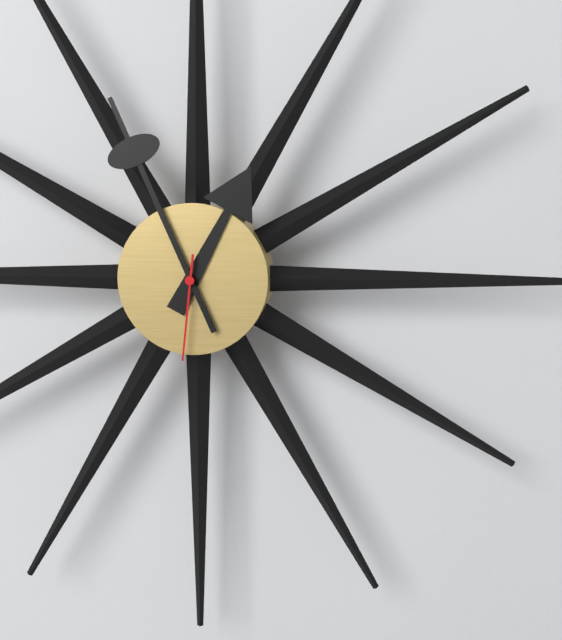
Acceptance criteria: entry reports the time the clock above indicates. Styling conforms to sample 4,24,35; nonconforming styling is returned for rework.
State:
12,56,31
